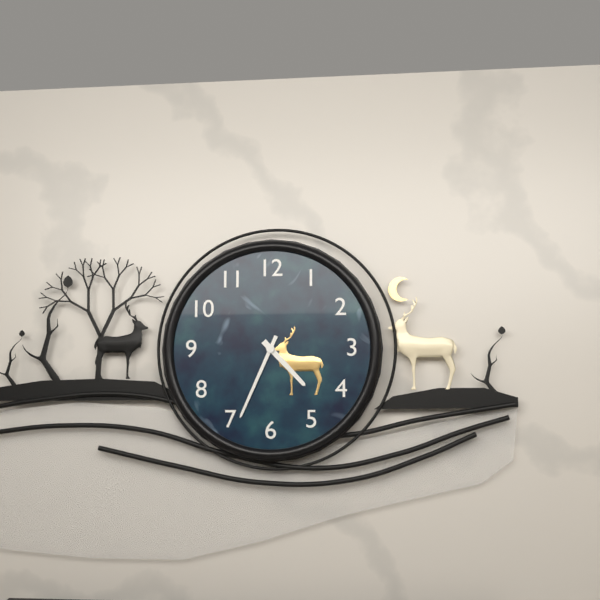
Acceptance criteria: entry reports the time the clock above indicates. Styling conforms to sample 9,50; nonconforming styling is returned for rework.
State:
4,34
